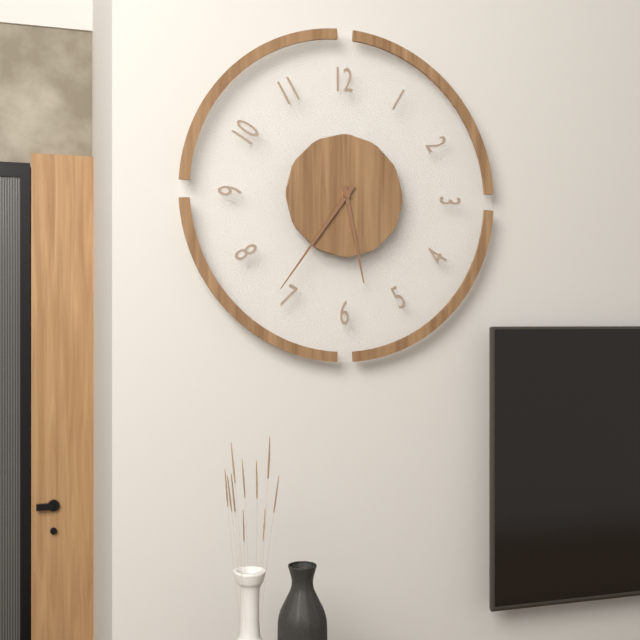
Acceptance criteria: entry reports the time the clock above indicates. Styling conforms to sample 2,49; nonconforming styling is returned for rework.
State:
5,36
